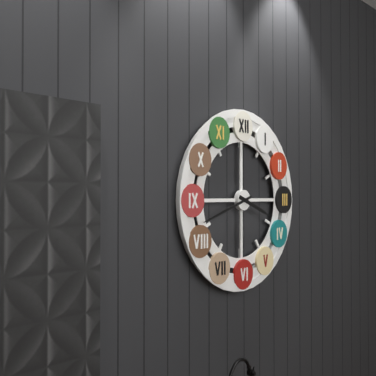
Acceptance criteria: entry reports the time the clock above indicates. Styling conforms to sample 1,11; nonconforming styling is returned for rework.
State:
3,42
